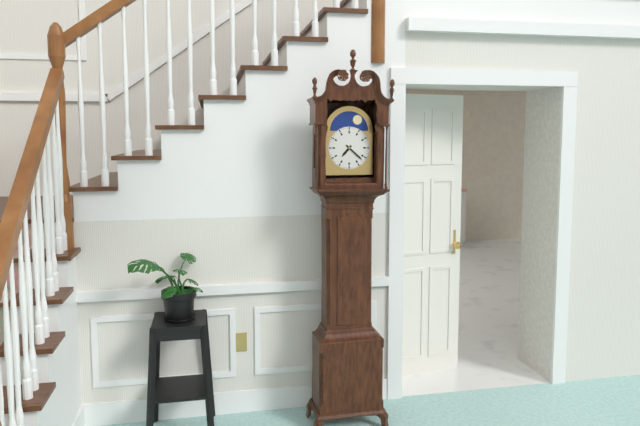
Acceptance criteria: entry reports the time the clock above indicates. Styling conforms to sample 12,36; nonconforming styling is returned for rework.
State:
7,22
